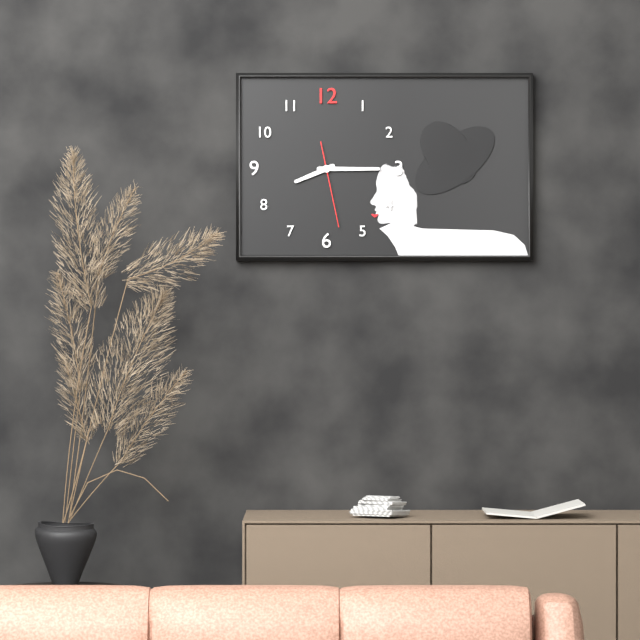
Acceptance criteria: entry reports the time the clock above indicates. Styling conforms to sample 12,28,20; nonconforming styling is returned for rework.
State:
8,15,28
